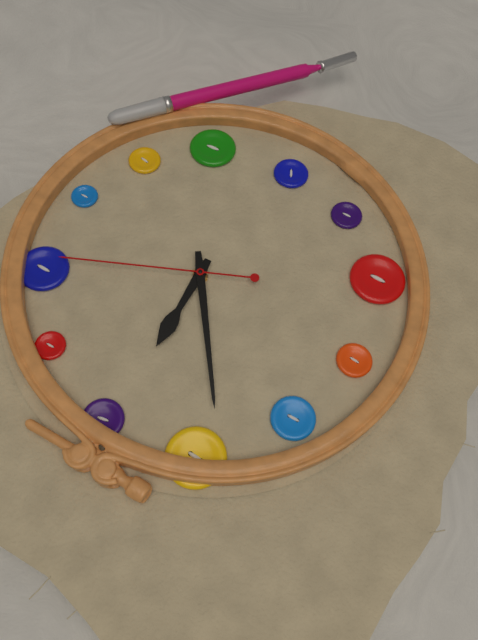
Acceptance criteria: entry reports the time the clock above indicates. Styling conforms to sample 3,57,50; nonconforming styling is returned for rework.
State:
11,54,11
